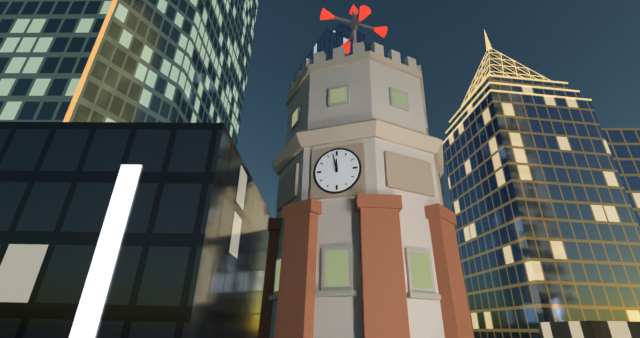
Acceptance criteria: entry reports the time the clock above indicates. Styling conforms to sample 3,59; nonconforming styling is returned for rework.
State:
11,58
